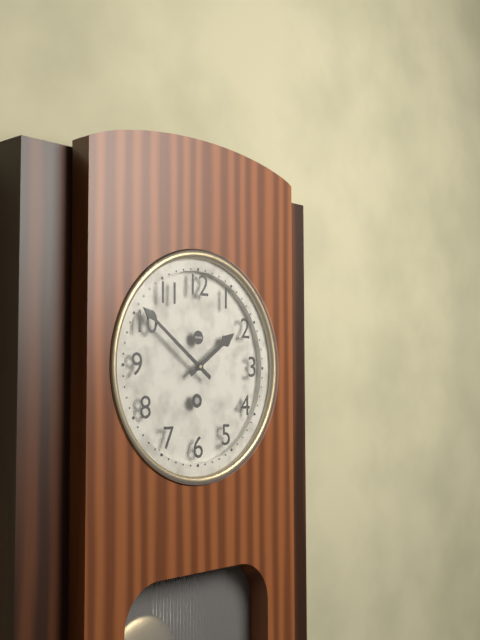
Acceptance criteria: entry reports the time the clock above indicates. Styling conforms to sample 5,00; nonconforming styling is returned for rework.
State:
1,51
